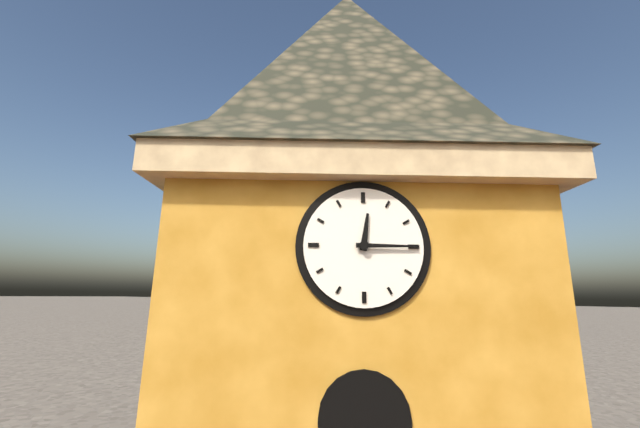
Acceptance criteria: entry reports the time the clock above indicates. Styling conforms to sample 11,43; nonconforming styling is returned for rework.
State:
12,15
